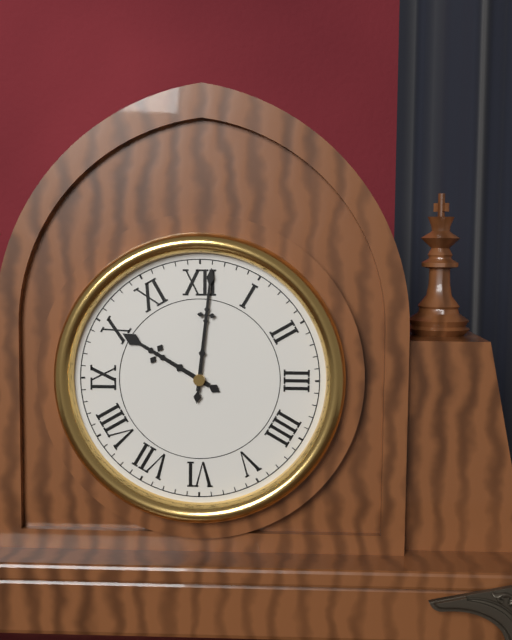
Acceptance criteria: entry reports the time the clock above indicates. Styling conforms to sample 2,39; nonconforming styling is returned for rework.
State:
10,01
